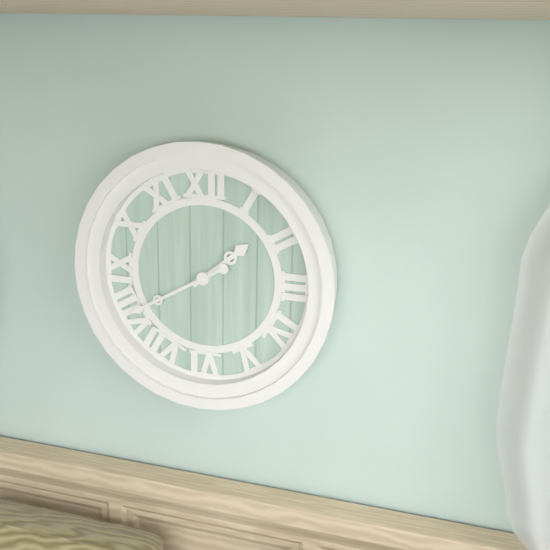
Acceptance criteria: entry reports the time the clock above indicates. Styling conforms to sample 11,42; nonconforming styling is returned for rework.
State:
1,40
